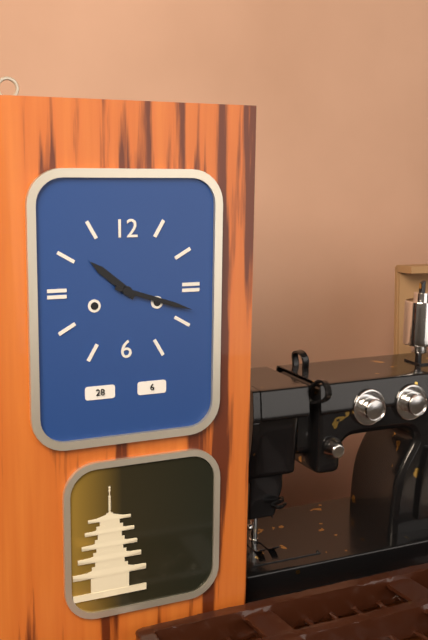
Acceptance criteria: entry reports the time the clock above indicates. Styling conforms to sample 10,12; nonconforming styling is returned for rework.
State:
10,18
